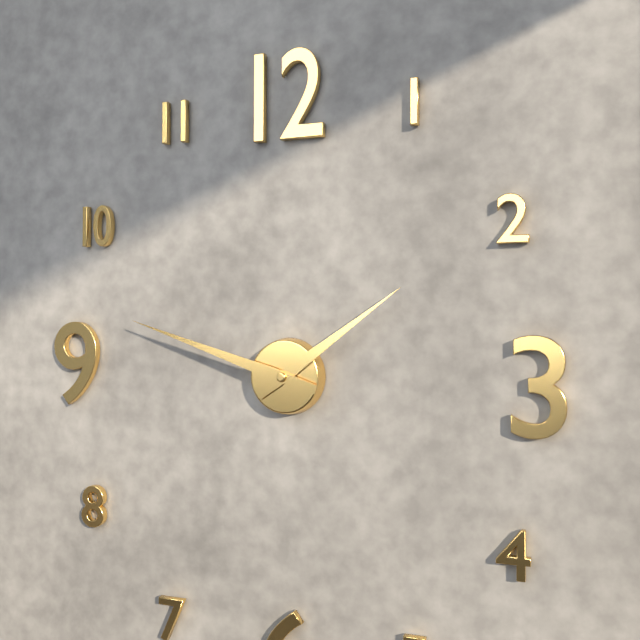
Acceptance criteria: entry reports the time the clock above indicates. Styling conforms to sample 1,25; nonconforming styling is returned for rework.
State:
1,48
